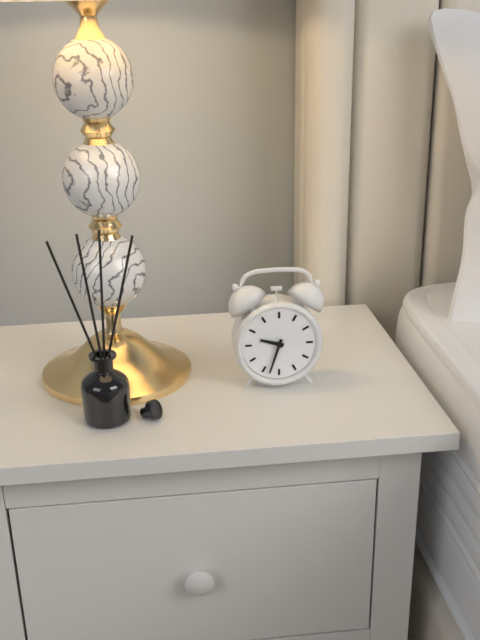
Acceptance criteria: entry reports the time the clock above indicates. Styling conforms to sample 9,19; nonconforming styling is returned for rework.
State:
9,33
